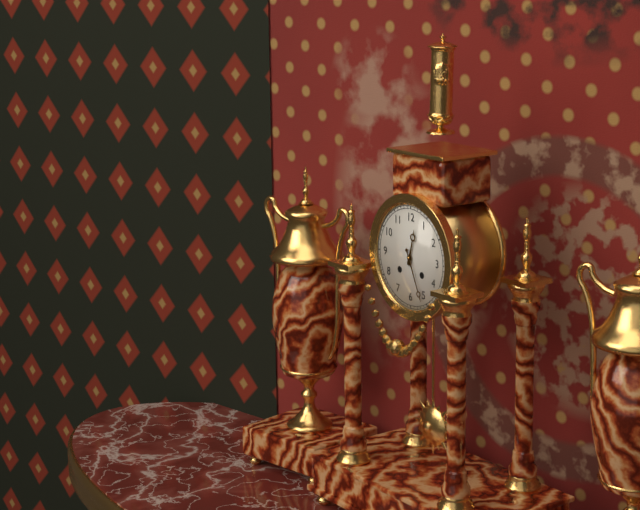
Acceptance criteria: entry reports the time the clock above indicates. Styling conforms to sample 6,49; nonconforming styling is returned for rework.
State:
12,26
